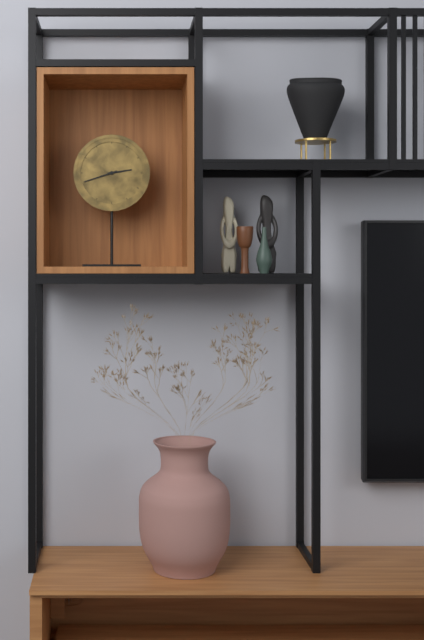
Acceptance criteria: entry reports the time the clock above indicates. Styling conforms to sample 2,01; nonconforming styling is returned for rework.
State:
2,42
